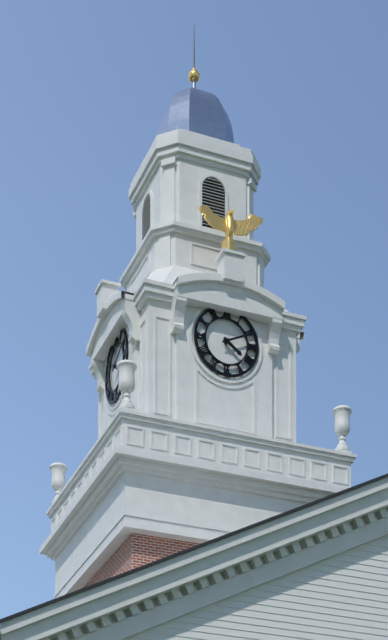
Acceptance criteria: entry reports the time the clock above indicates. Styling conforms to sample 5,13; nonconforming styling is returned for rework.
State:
4,11
